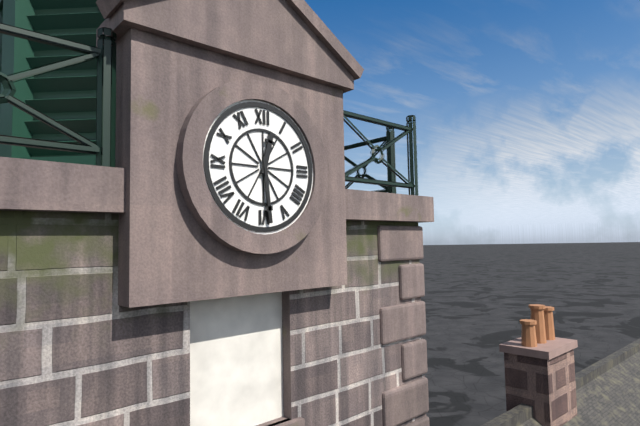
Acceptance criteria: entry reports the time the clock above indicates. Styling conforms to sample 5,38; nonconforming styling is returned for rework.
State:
12,29
